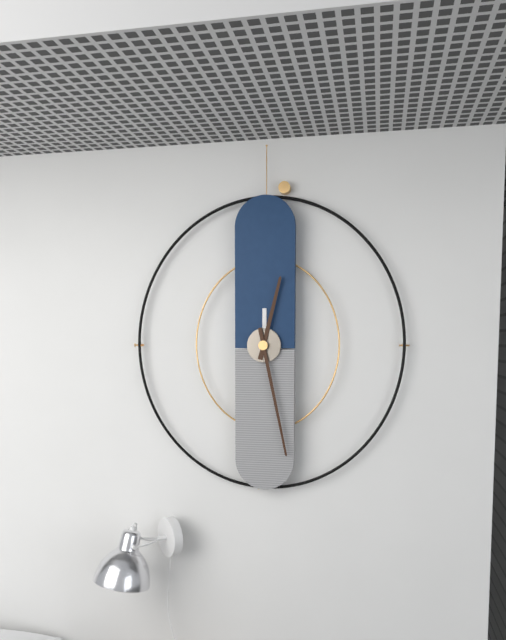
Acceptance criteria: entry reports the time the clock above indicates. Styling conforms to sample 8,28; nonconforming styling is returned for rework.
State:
12,28
